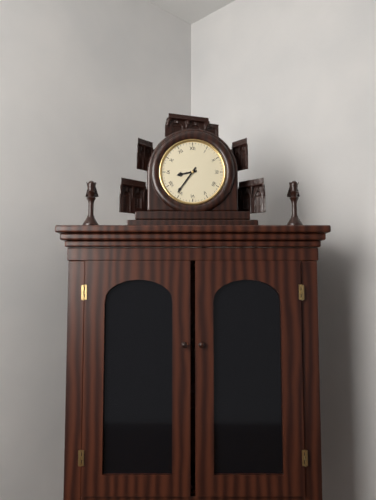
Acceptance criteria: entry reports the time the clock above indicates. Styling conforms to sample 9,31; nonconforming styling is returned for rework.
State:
8,36
